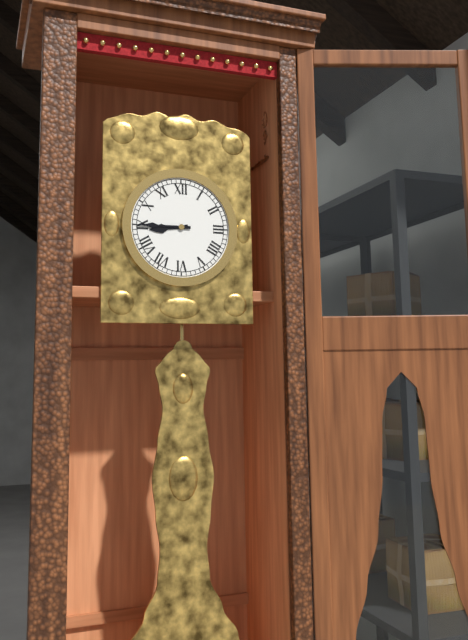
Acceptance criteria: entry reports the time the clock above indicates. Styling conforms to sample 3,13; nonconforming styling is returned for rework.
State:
8,45
